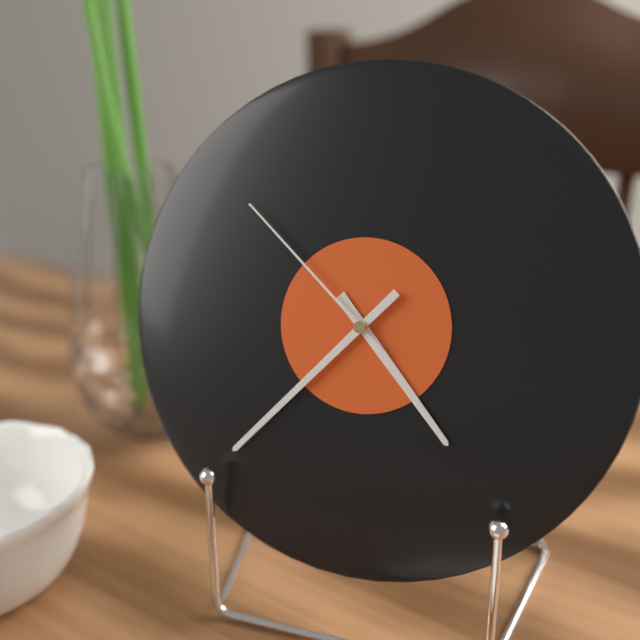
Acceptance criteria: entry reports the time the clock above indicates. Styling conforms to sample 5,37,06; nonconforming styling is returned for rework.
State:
4,37,52
